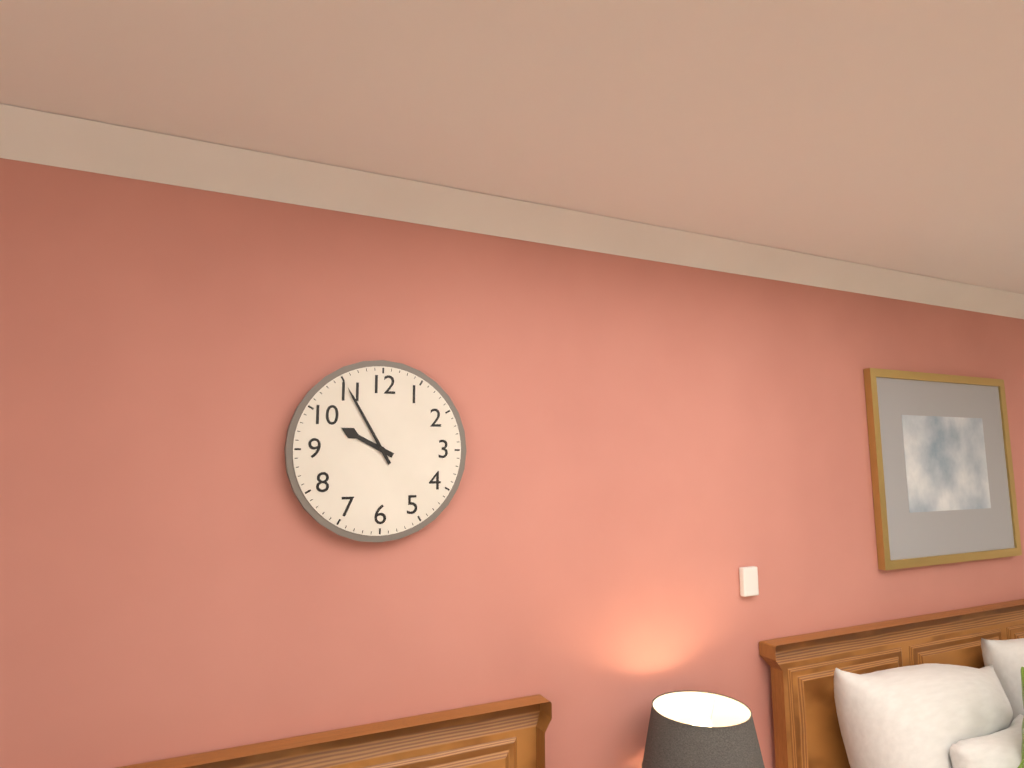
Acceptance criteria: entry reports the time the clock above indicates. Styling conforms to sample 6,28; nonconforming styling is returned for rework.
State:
9,55
